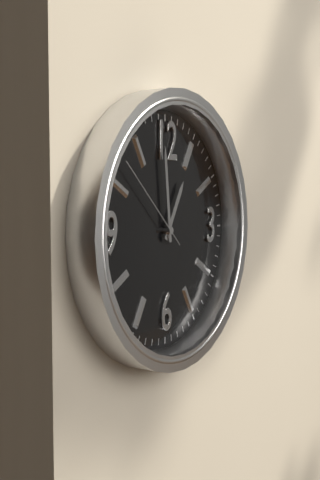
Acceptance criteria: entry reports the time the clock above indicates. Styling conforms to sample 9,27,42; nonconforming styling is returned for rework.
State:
12,59,52
